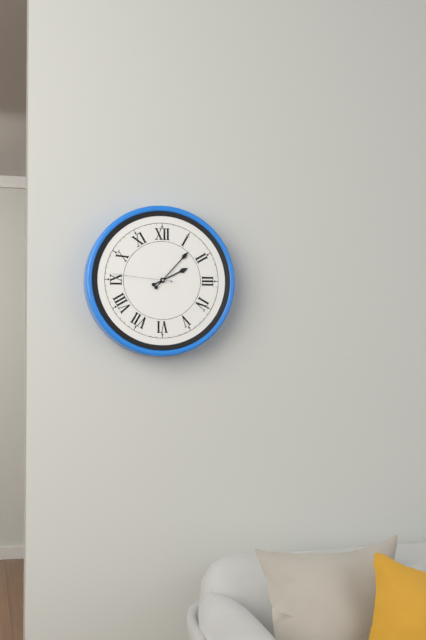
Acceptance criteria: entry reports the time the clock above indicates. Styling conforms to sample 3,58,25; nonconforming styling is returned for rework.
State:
2,07,46
